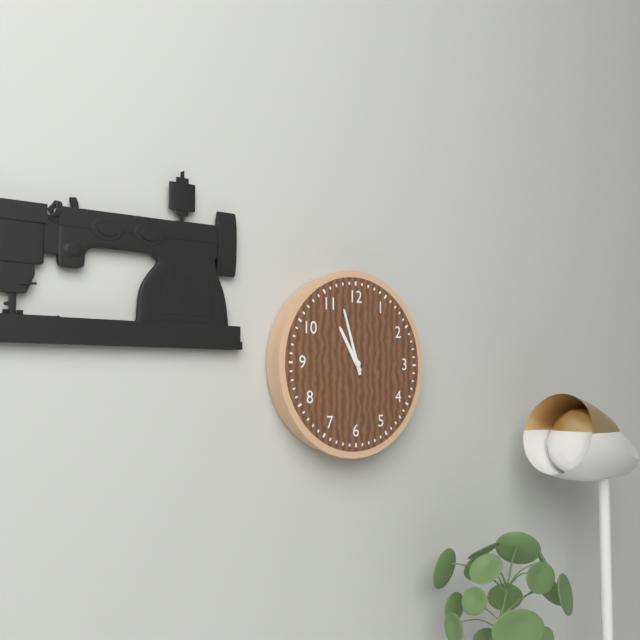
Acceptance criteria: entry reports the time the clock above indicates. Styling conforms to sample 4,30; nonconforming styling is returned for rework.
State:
10,57
